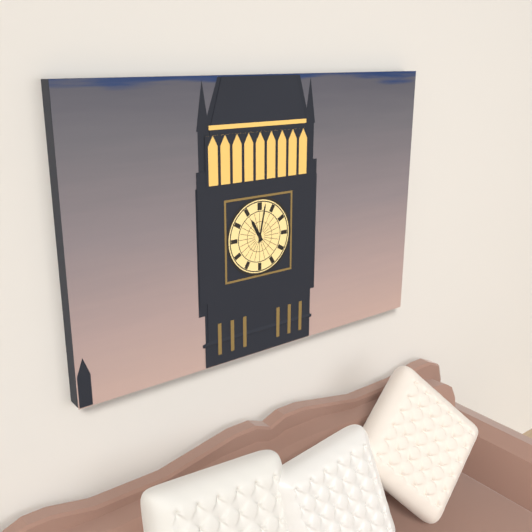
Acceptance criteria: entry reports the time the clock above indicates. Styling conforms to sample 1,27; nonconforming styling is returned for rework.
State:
11,02
